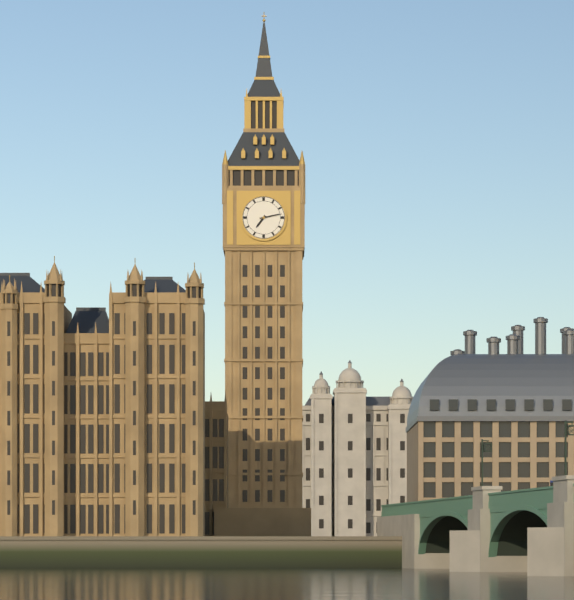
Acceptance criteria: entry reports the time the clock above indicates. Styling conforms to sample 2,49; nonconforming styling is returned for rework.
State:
7,13
